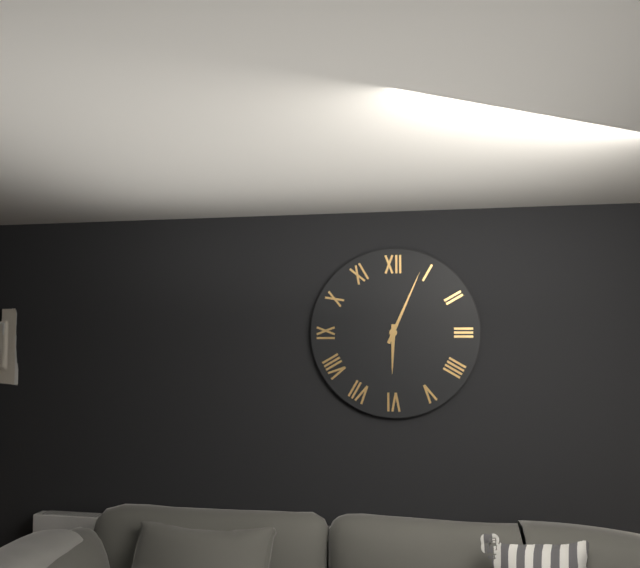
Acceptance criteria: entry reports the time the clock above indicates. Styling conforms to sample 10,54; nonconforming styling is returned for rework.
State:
6,04
